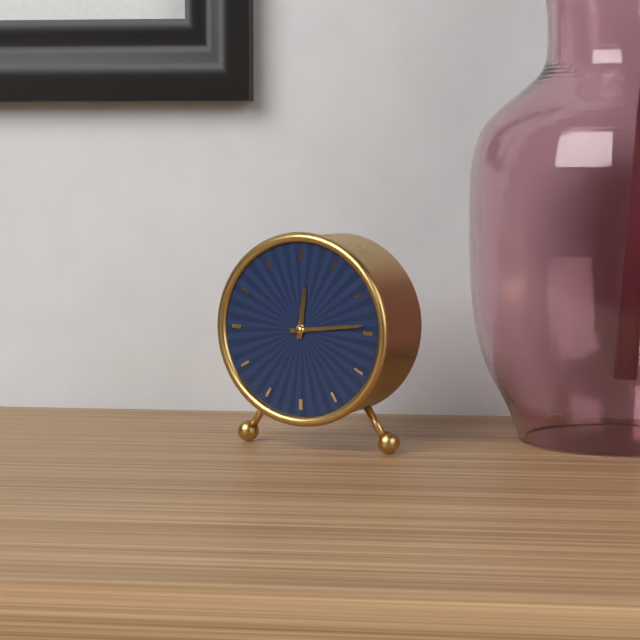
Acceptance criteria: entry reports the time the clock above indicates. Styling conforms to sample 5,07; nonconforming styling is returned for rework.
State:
12,14
